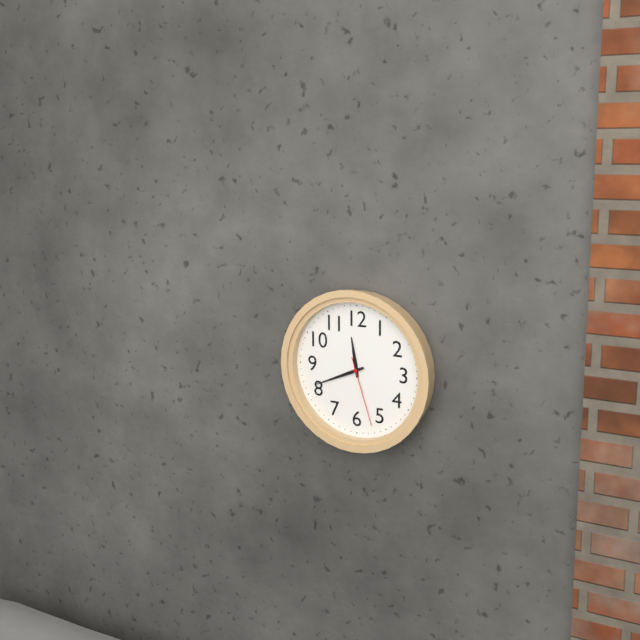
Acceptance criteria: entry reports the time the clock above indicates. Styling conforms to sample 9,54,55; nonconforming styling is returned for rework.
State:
11,41,27
